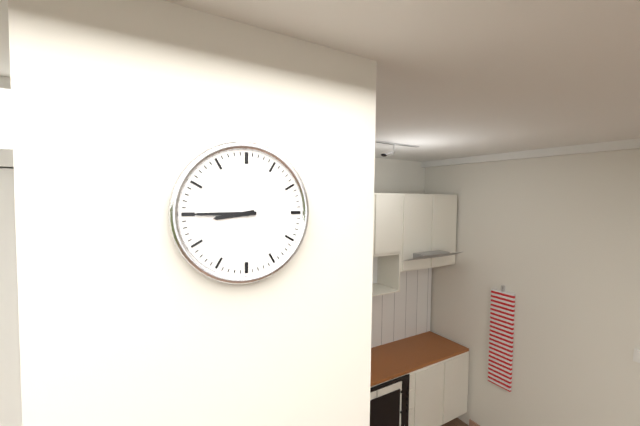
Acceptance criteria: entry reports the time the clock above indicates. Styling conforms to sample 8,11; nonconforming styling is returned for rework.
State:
8,45
